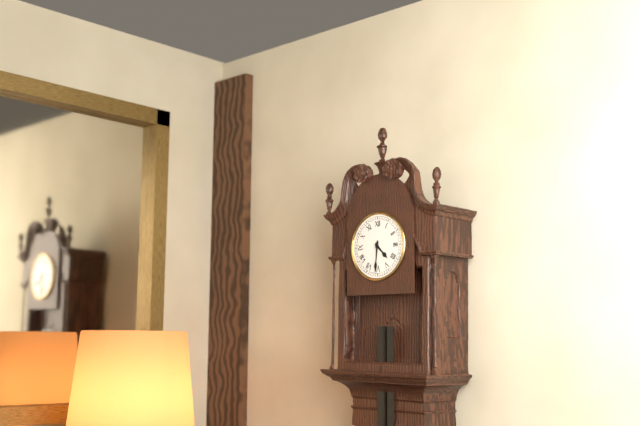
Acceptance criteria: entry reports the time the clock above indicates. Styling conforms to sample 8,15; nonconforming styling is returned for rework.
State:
4,31
